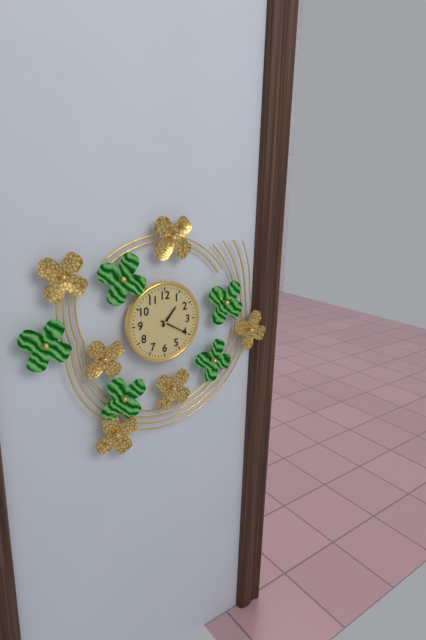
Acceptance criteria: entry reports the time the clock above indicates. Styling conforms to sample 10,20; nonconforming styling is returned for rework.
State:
1,20
